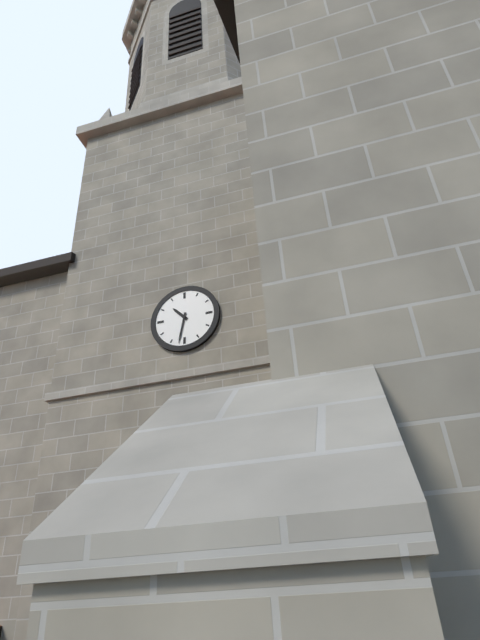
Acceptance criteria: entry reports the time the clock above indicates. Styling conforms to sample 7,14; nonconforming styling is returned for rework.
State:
10,32
